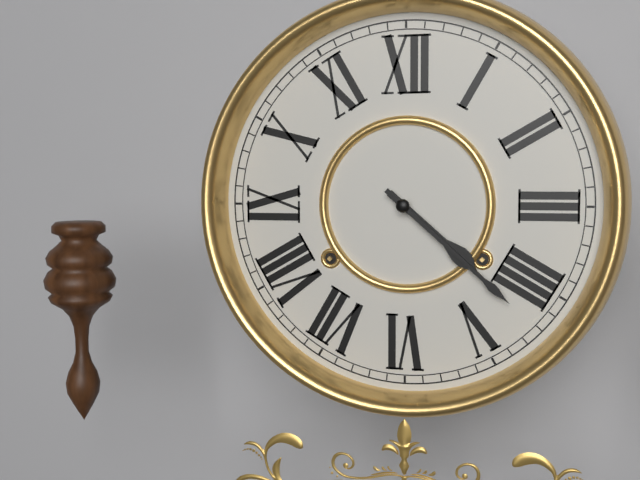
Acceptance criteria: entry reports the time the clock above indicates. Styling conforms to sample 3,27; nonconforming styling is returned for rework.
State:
4,22
